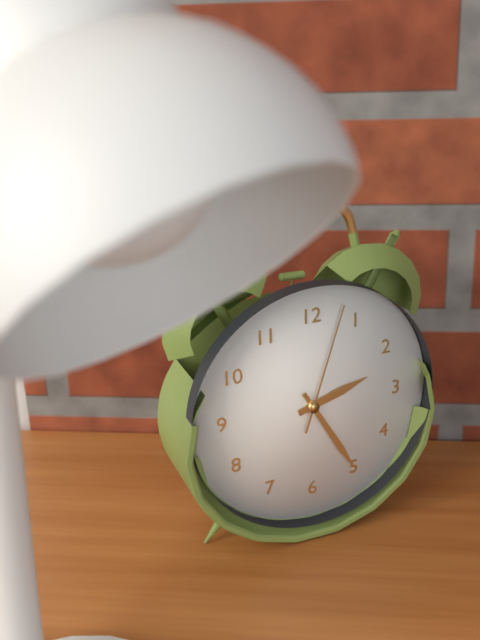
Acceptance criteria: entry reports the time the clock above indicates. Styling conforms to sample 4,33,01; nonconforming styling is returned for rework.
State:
2,25,03
